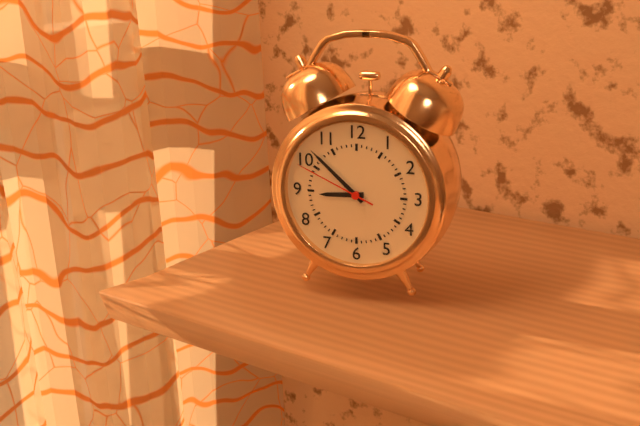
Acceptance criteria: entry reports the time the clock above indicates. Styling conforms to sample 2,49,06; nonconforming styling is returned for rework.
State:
8,52,49
